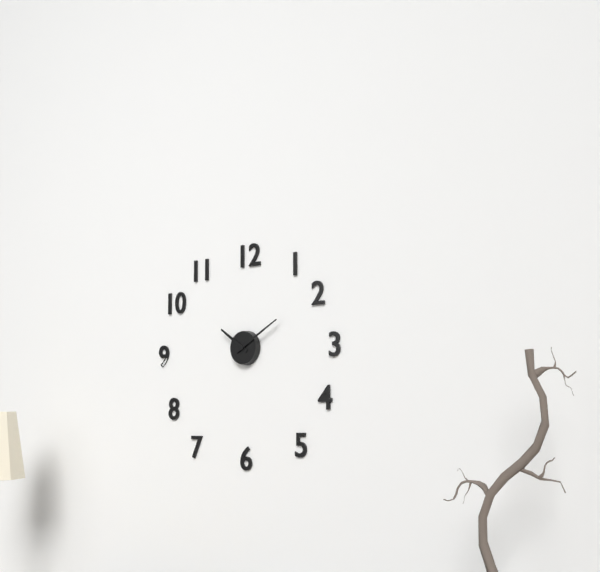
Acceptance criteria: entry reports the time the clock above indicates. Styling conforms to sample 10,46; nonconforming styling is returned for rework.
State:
10,10
